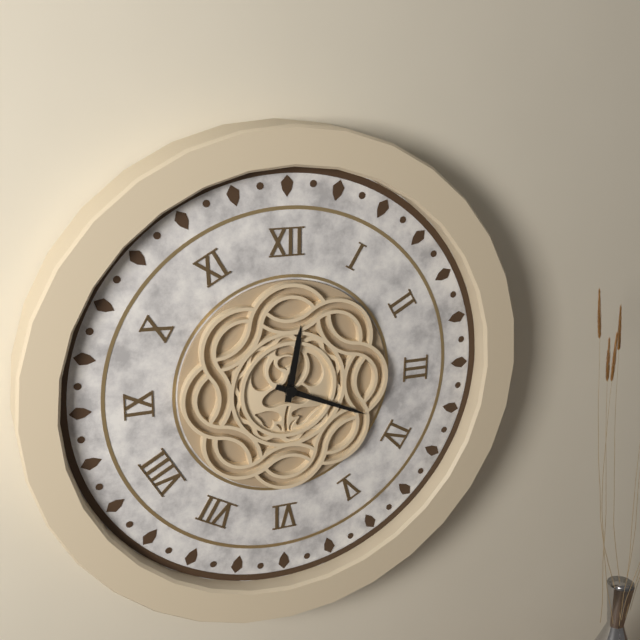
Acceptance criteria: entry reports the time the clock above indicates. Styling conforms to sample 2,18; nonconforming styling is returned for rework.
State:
12,19
